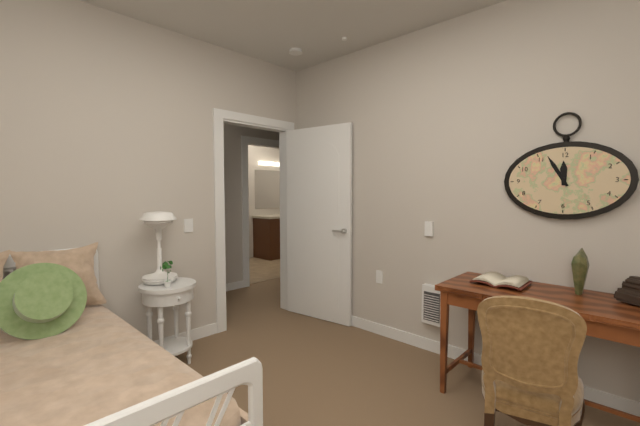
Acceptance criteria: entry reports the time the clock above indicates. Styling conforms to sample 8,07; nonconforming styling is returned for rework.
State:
11,55
